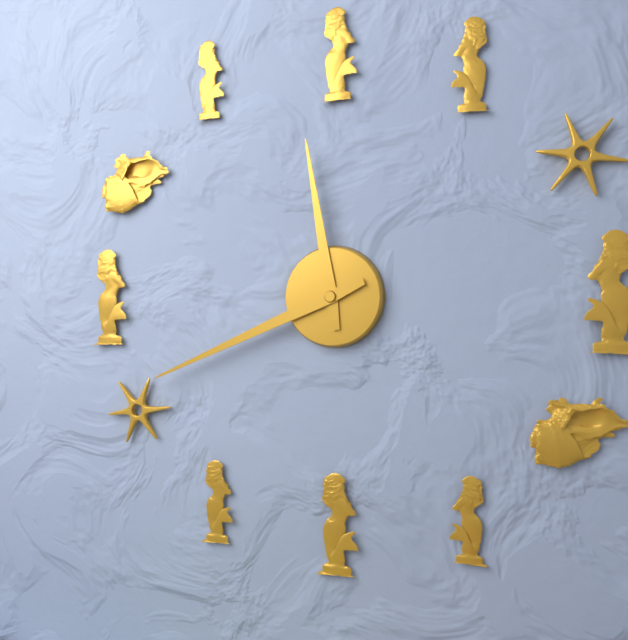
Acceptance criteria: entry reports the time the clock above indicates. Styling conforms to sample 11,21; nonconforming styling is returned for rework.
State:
11,41
